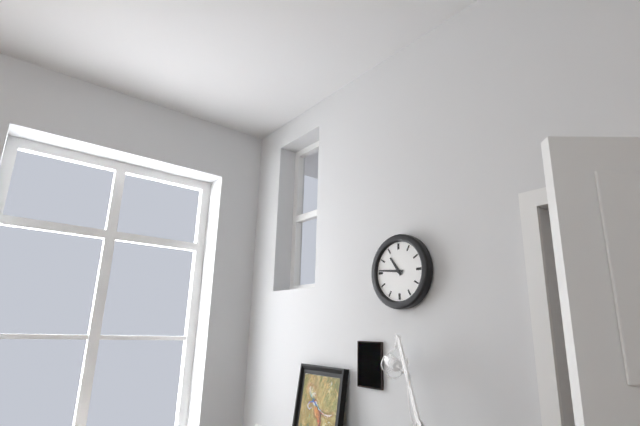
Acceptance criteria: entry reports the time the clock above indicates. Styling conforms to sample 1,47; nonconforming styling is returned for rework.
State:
10,46
